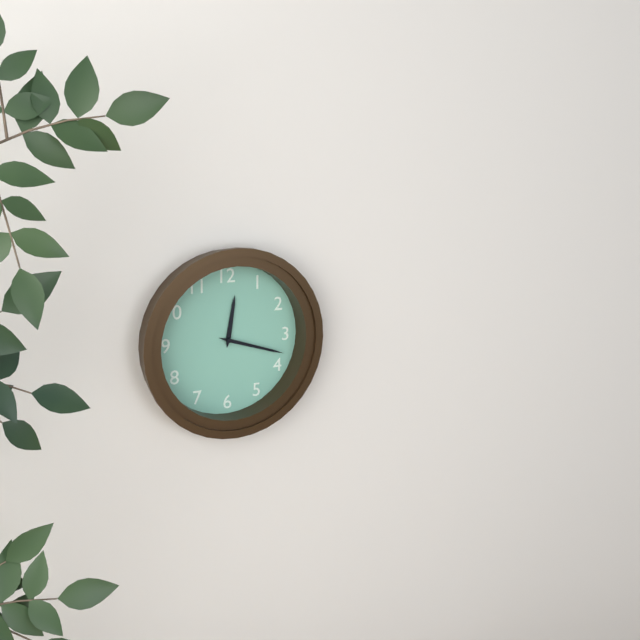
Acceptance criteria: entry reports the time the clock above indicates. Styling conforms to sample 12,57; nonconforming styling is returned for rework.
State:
12,18
